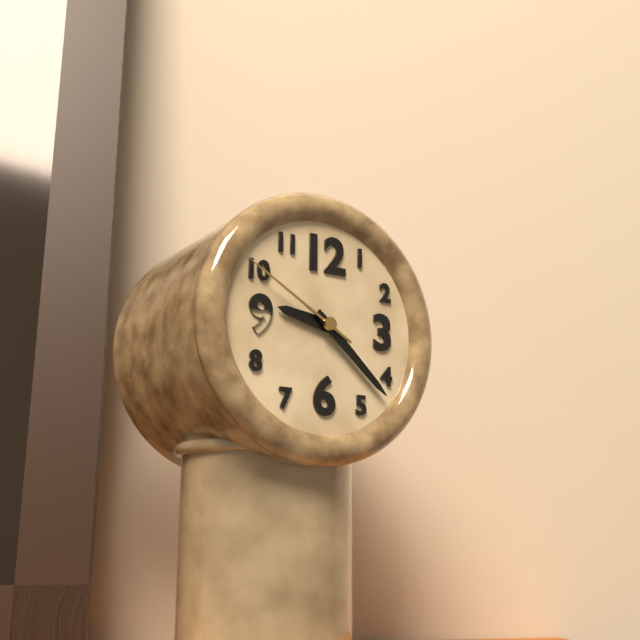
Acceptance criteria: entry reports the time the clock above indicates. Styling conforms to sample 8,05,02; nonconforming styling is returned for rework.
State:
9,22,50
